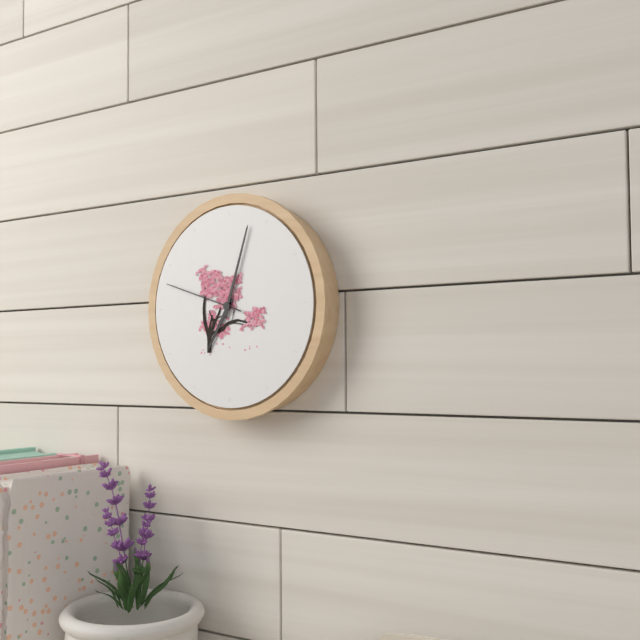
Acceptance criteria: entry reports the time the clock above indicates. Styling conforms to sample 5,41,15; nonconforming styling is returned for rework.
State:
7,03,48
